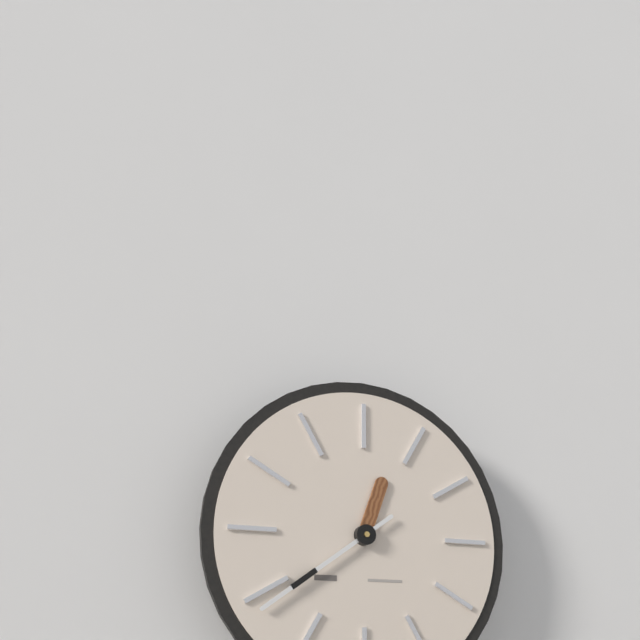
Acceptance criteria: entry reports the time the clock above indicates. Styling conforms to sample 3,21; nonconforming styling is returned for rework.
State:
12,39
